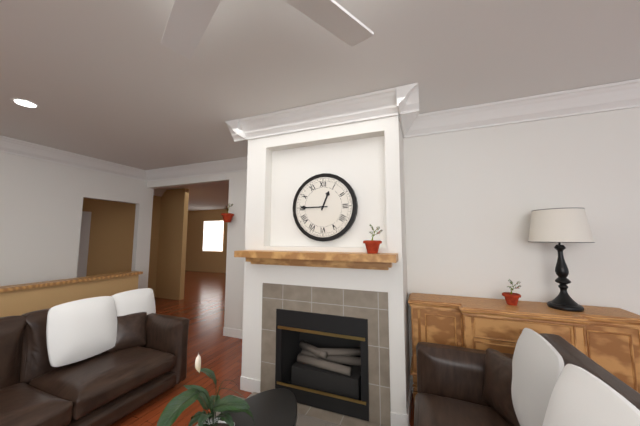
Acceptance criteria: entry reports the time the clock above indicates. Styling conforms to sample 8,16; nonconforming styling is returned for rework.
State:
12,45
